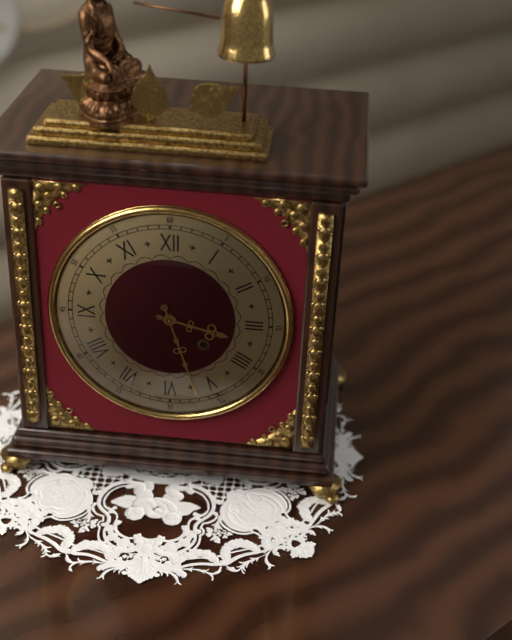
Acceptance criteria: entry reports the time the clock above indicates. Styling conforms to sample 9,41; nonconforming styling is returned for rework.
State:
3,27
